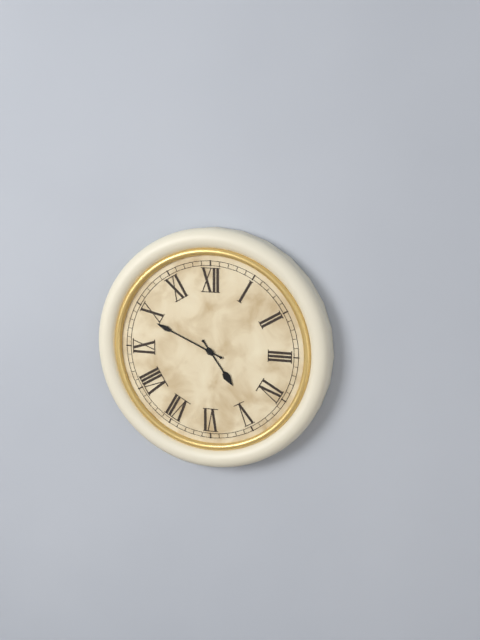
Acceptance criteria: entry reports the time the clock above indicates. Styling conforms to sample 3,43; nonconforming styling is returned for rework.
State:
4,49
